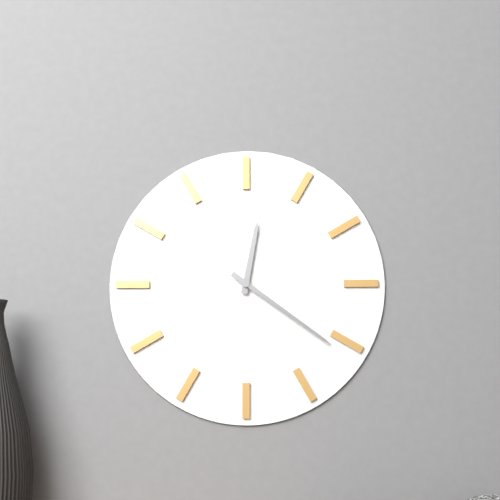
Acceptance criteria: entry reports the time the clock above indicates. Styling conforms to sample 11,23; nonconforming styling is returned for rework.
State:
12,21
